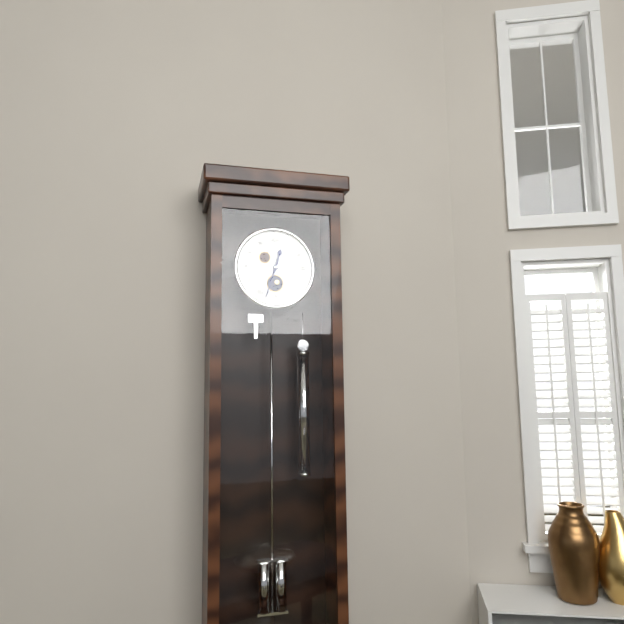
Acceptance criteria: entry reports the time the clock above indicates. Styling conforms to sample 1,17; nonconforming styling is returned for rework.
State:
12,33
